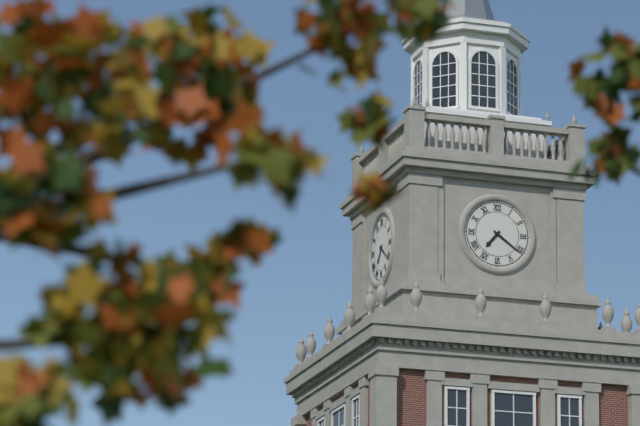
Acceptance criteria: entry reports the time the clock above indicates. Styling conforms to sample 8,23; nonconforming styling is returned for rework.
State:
7,21
